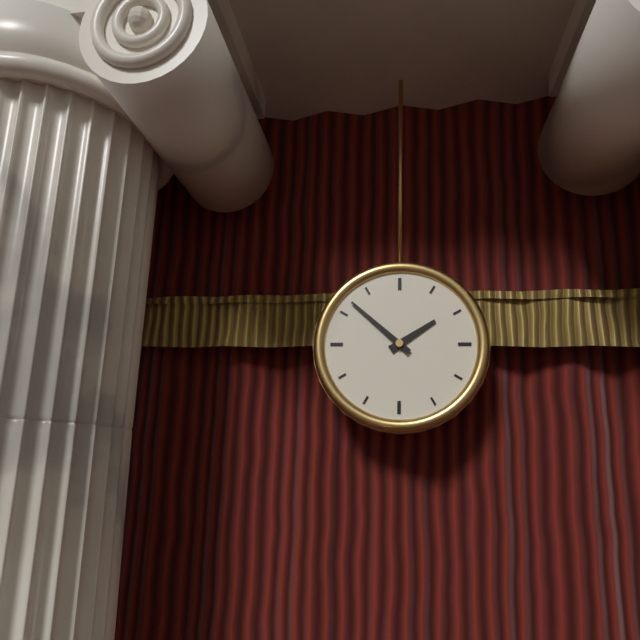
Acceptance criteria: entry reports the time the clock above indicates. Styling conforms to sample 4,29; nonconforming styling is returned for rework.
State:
1,52
